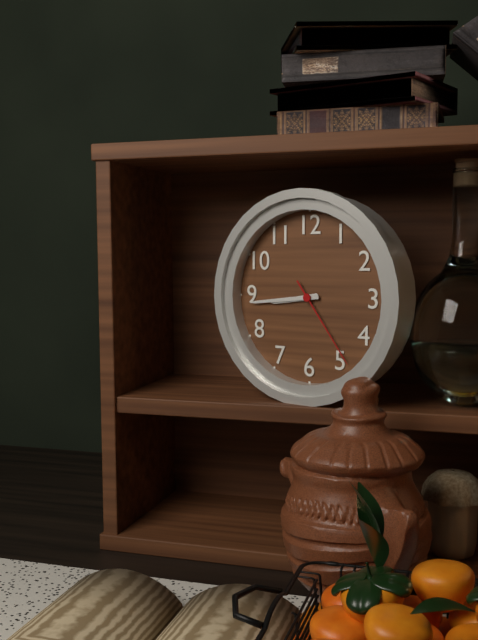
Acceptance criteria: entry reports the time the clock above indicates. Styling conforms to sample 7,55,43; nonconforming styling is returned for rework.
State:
8,44,24
